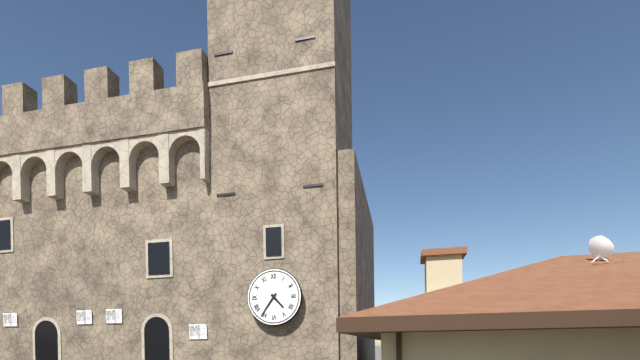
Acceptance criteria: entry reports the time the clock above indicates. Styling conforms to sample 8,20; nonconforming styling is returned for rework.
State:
4,36
